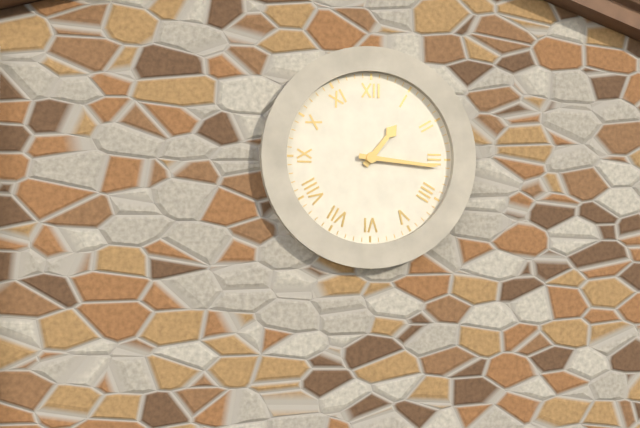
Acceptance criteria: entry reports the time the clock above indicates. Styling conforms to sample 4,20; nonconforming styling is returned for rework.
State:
1,16
